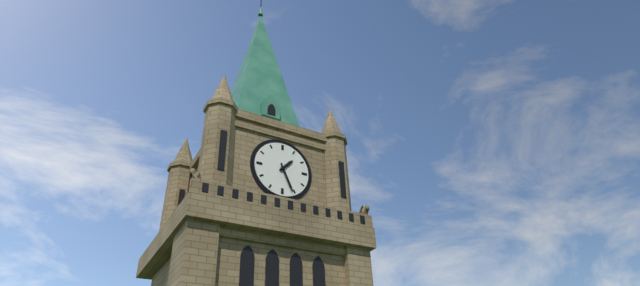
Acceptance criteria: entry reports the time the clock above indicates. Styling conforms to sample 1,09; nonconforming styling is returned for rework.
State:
1,26
